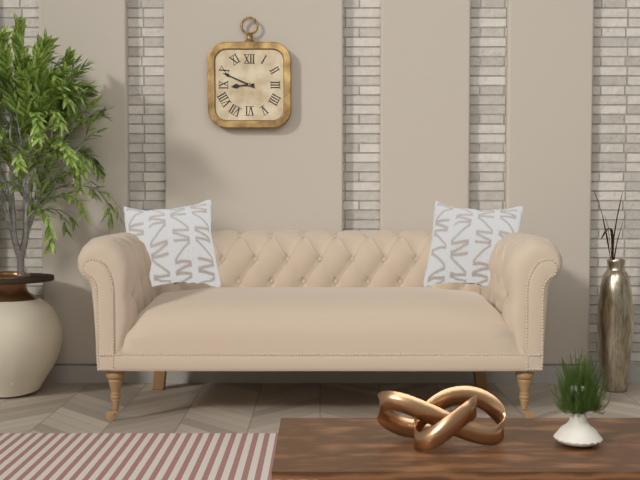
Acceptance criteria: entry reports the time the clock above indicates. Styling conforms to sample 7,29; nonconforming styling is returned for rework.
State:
8,49
